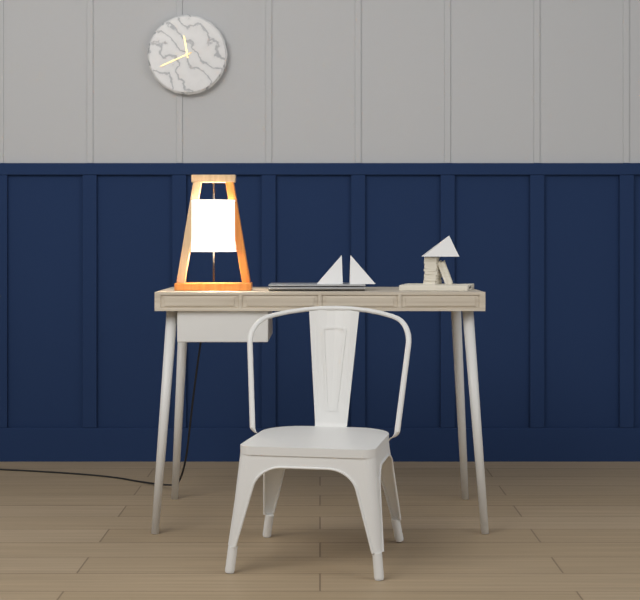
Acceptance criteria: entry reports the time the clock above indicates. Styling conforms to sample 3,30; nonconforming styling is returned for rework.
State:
11,41
